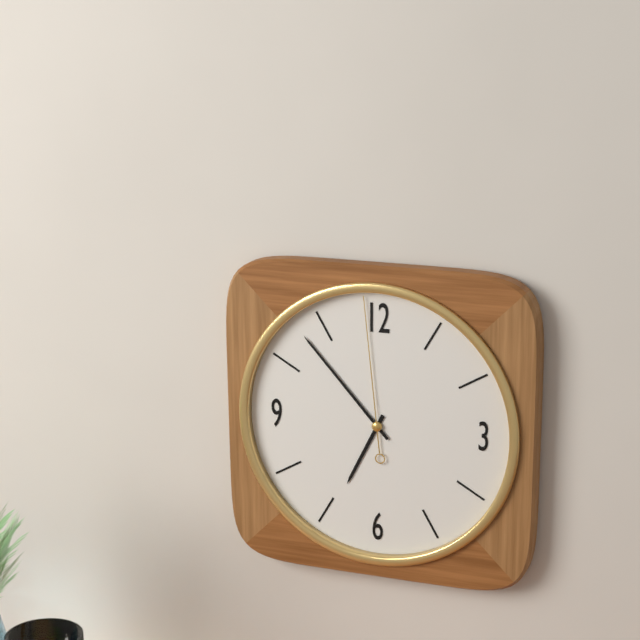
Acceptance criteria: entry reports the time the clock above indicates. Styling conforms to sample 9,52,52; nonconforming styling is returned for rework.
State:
6,53,59
